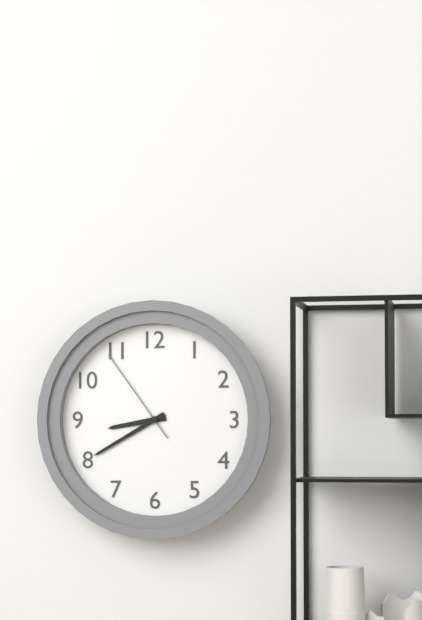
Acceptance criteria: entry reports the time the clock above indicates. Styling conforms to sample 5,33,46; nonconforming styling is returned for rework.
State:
8,40,54
